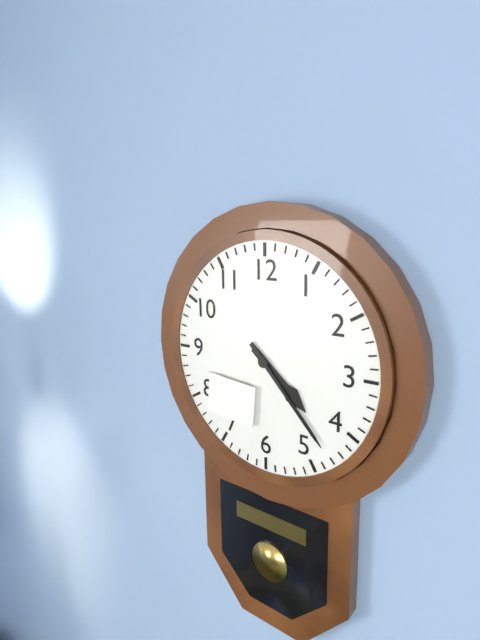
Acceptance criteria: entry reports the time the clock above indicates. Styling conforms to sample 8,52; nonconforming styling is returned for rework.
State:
4,23
